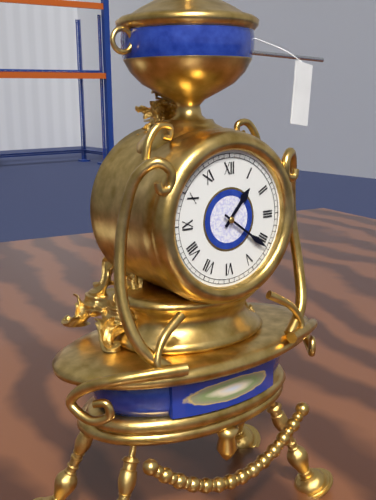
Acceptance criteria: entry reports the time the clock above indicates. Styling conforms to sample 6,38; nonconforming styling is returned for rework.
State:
1,21
